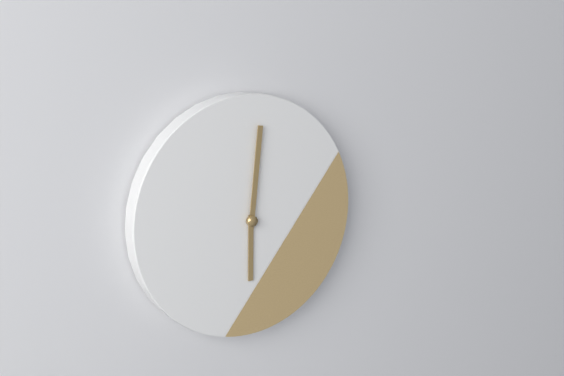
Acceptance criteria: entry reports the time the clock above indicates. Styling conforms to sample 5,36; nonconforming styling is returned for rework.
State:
6,01
